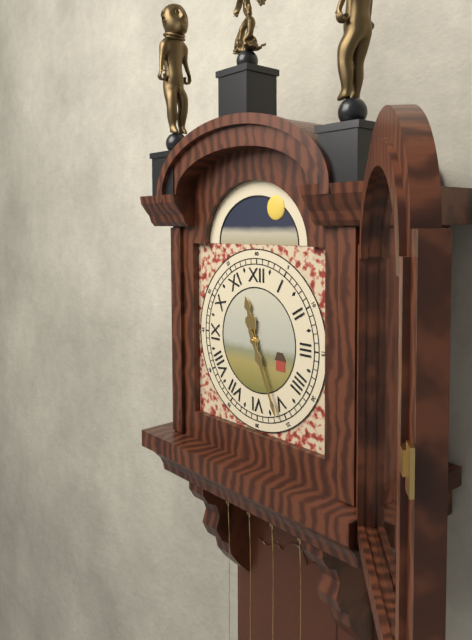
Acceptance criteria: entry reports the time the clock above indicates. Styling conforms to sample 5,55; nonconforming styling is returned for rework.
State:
11,26
